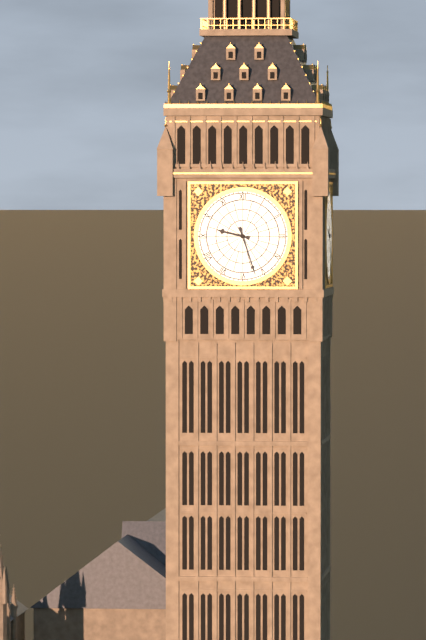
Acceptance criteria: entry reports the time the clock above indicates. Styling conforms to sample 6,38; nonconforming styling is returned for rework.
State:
9,27
